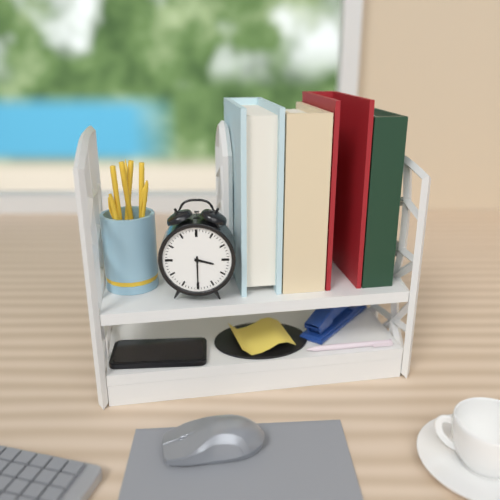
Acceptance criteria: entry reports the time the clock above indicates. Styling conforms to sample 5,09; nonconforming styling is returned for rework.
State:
3,30
